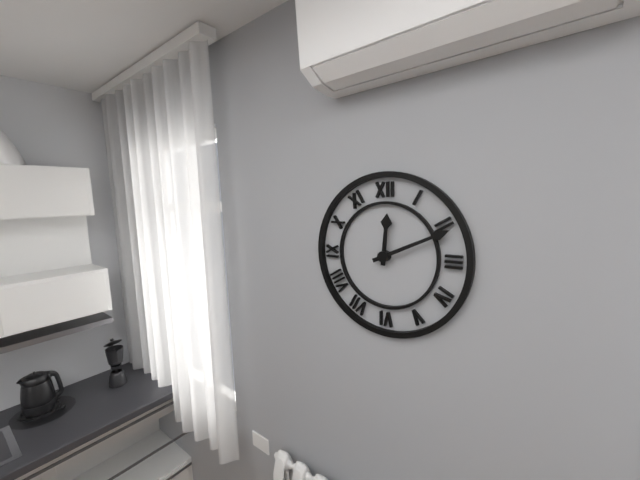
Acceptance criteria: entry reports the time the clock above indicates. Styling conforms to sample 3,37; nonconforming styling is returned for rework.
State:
12,11
